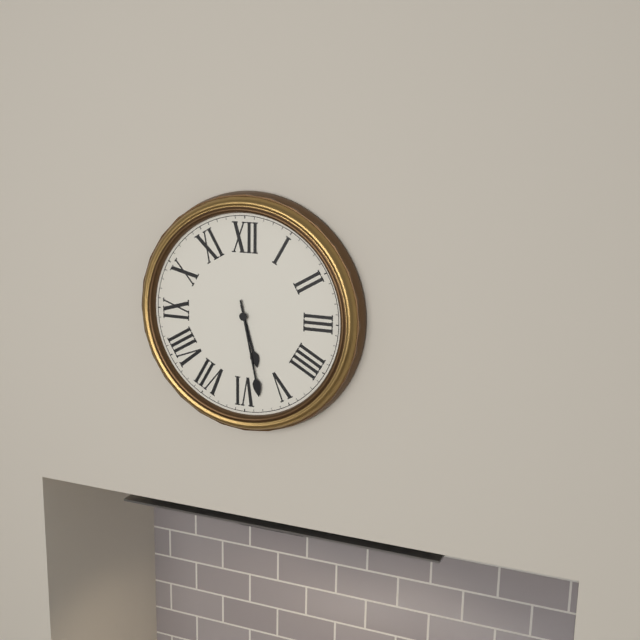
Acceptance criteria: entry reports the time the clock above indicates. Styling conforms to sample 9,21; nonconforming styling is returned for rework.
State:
5,28
